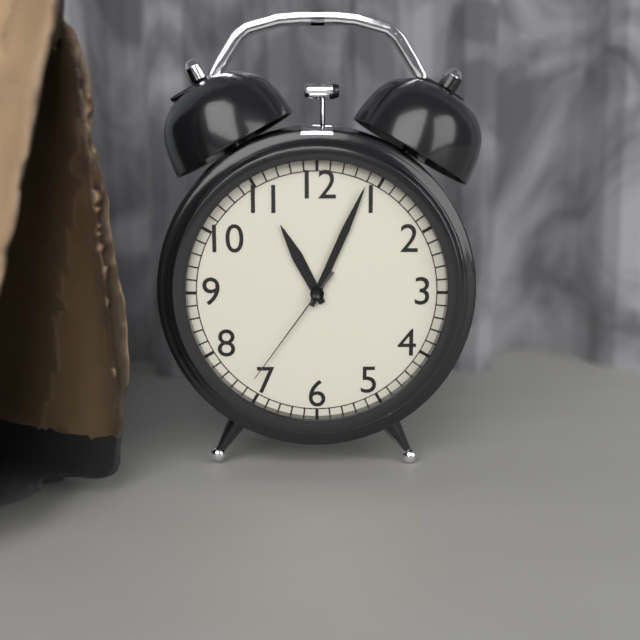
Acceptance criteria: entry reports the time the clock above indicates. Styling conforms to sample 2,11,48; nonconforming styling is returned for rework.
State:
11,04,36
